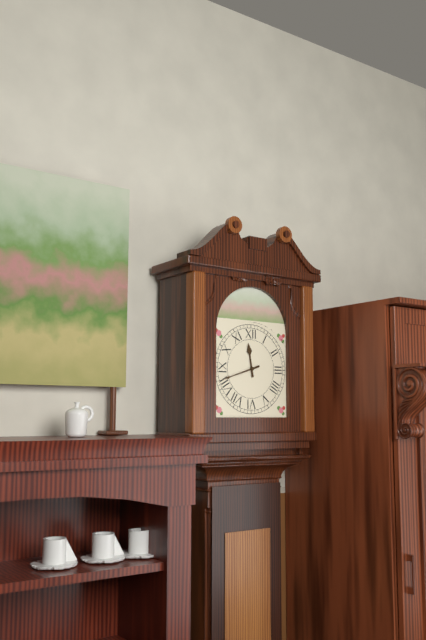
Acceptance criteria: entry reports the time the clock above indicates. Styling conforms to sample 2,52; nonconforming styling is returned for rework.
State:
11,42
